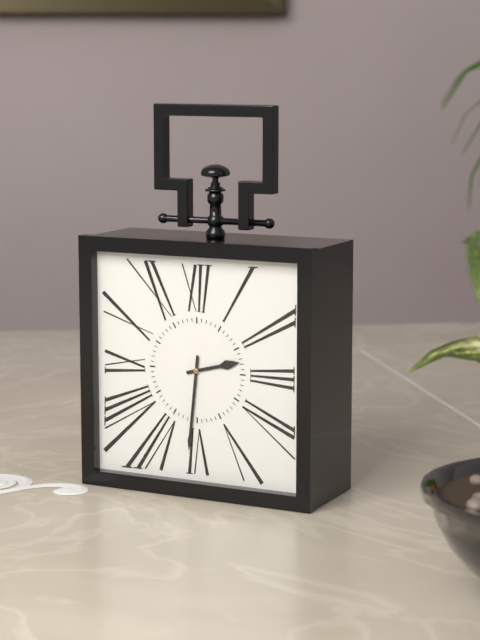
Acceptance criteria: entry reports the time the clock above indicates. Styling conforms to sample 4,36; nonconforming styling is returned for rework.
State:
2,31
